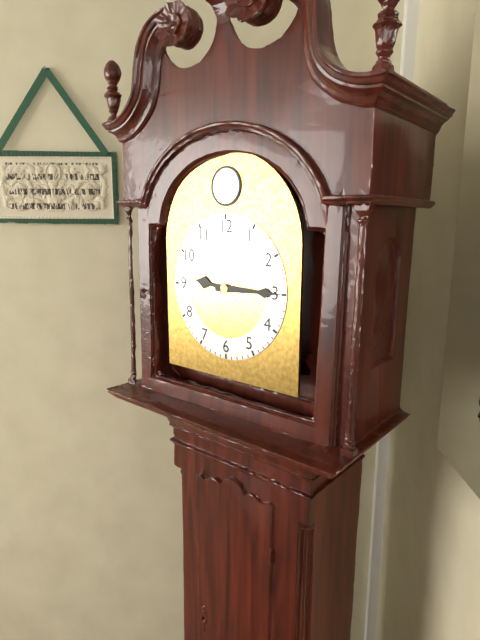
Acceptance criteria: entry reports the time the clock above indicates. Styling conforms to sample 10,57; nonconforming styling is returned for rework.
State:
9,15
